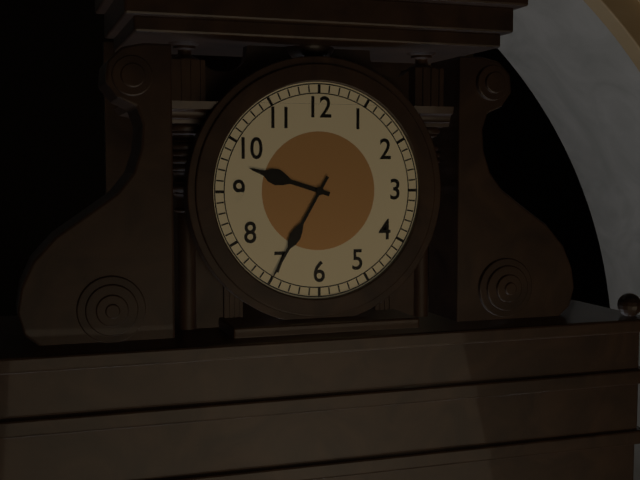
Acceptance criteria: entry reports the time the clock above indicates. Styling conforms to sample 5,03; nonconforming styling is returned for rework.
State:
9,35
